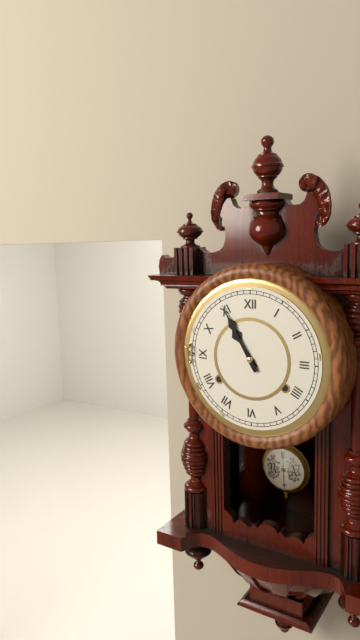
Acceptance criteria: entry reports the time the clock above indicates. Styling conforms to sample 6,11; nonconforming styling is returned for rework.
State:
10,55
